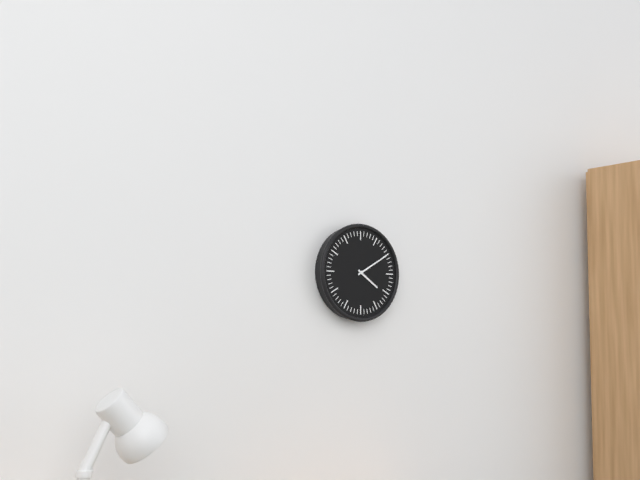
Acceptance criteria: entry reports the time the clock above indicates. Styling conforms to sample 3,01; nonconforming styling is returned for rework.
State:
4,10
